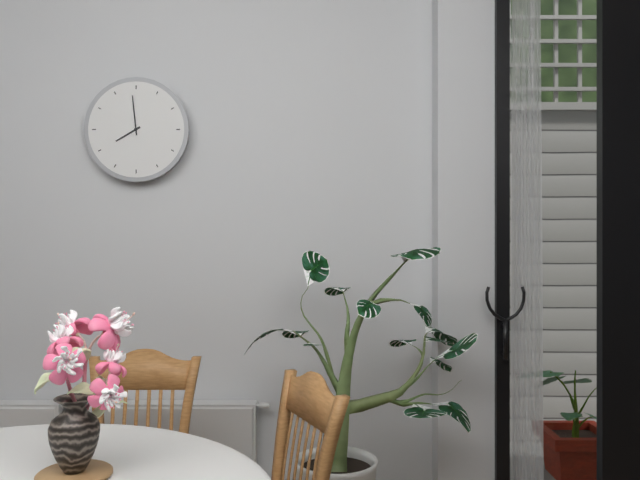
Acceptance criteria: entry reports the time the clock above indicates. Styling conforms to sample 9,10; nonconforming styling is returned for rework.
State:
7,59
